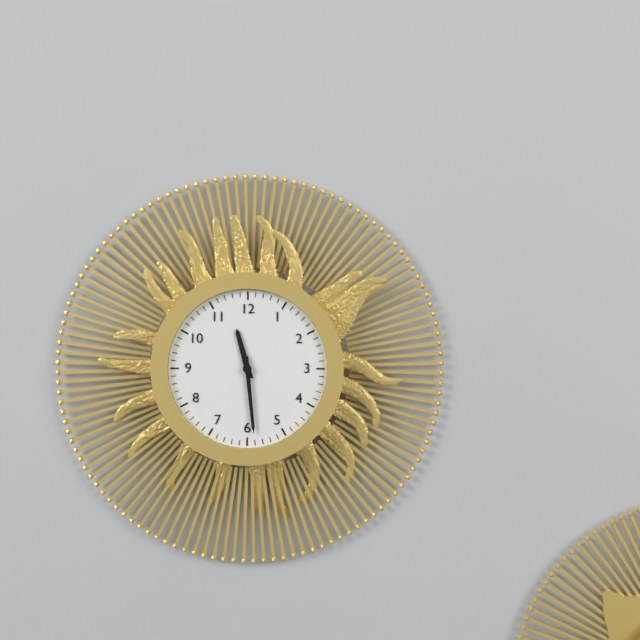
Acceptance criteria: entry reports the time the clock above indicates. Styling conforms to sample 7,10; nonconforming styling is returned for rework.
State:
11,29
